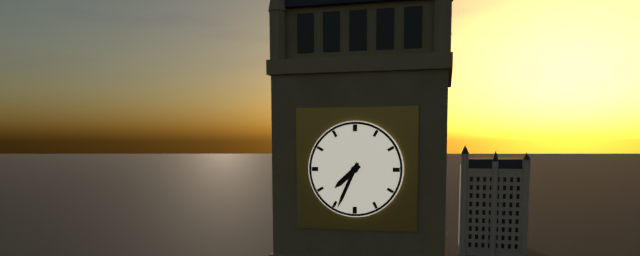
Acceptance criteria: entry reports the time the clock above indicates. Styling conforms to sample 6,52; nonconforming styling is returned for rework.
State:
7,34
